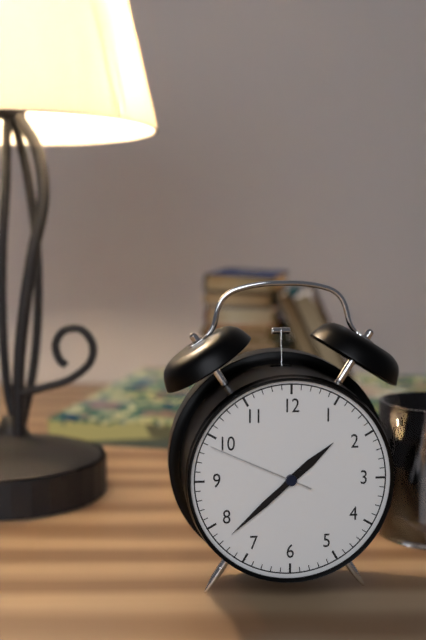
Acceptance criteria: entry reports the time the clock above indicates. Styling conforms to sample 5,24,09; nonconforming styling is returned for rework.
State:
1,38,49
